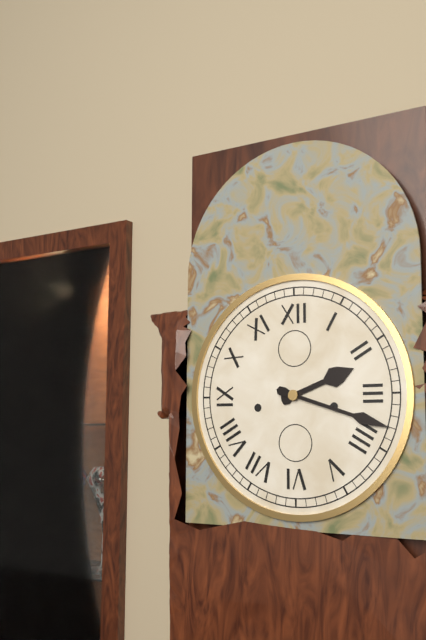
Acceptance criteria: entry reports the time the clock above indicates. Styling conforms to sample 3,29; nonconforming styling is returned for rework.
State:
2,18
